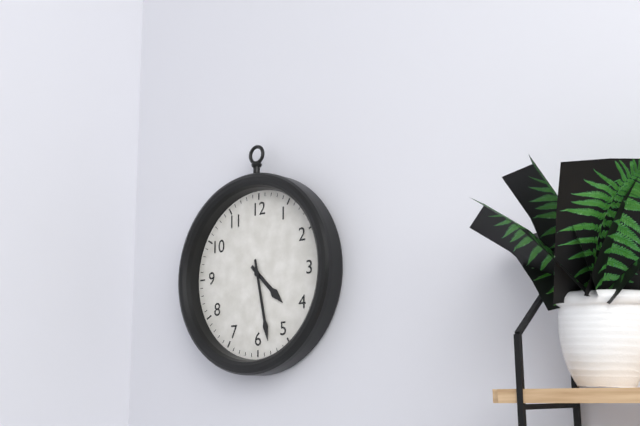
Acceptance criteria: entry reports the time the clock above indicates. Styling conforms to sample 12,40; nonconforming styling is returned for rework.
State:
4,28
